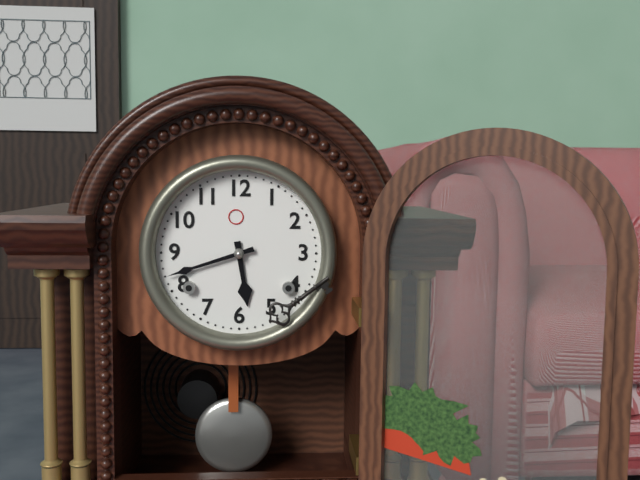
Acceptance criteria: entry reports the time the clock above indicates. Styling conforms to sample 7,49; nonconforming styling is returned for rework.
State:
5,42
